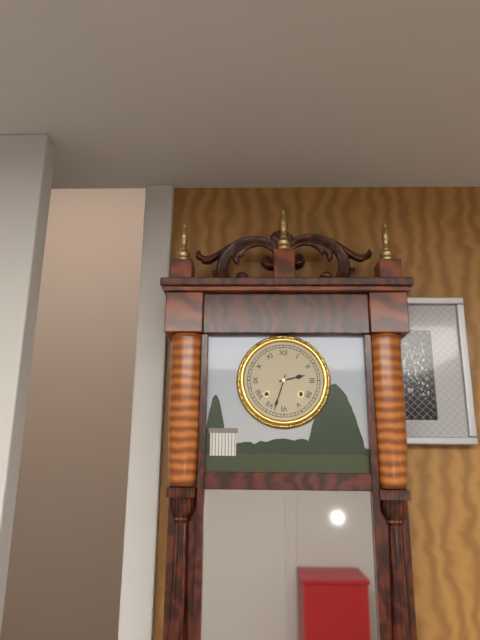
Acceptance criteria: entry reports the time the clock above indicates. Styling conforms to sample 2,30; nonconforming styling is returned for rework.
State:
2,33
